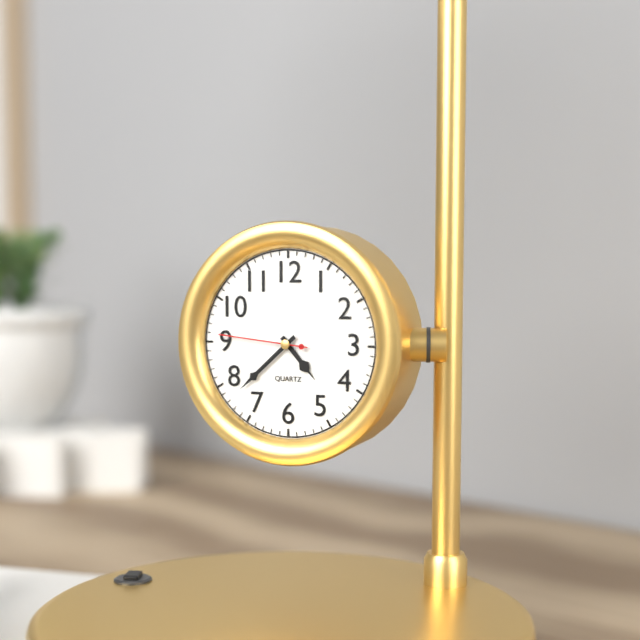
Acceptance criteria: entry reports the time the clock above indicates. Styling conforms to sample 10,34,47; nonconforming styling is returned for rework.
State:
4,38,46
